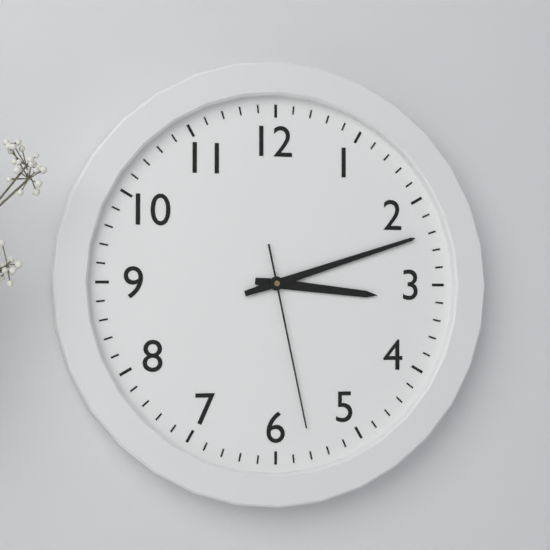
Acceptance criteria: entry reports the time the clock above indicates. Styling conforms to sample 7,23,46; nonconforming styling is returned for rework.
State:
3,12,28
